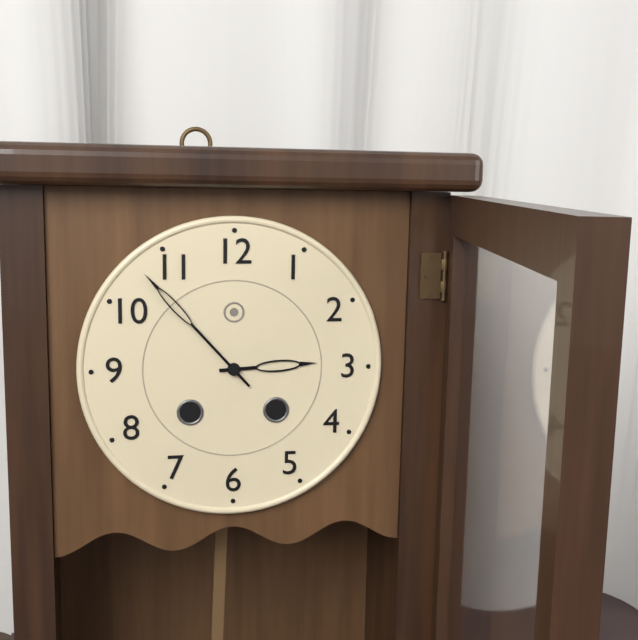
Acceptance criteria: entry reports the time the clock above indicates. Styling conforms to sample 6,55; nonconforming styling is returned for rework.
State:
2,53
